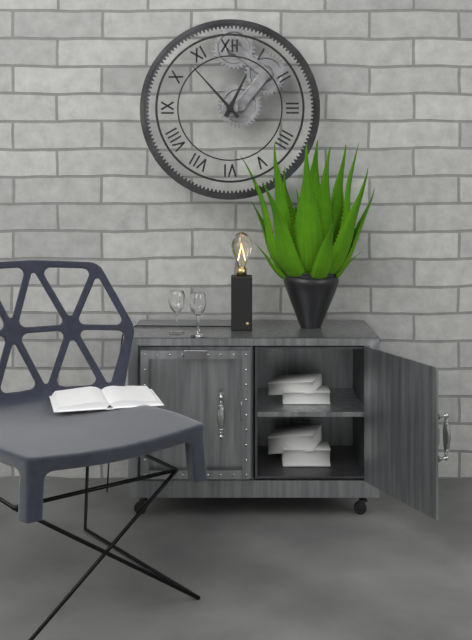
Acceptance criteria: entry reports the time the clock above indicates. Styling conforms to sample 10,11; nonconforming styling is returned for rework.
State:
12,53
